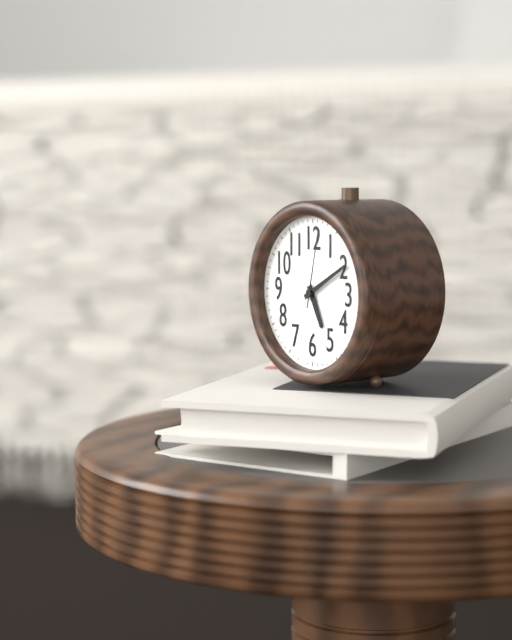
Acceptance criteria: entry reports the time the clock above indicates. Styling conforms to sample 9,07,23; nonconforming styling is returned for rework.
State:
5,10,02
